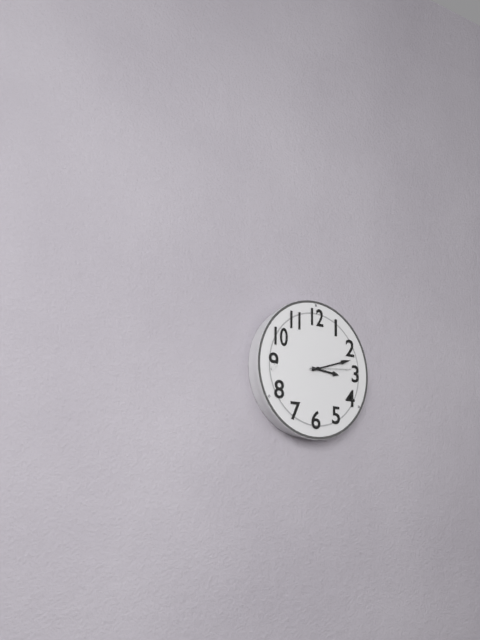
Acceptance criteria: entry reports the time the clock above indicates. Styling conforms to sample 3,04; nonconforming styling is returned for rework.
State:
3,12
